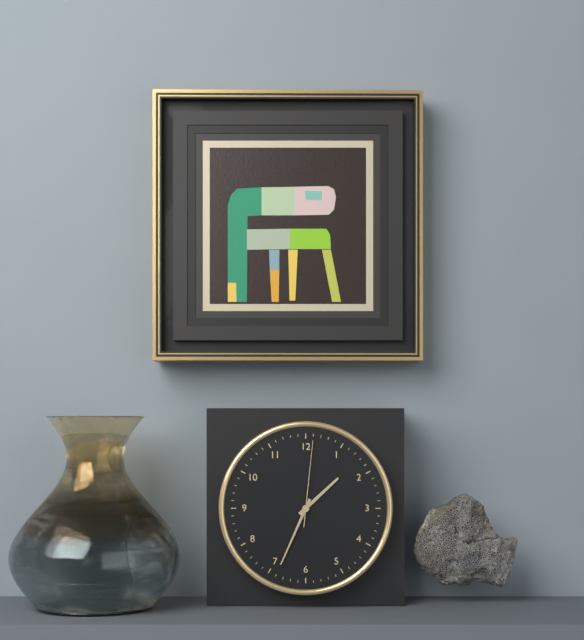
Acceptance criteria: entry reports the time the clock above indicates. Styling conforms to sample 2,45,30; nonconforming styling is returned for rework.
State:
1,34,01
